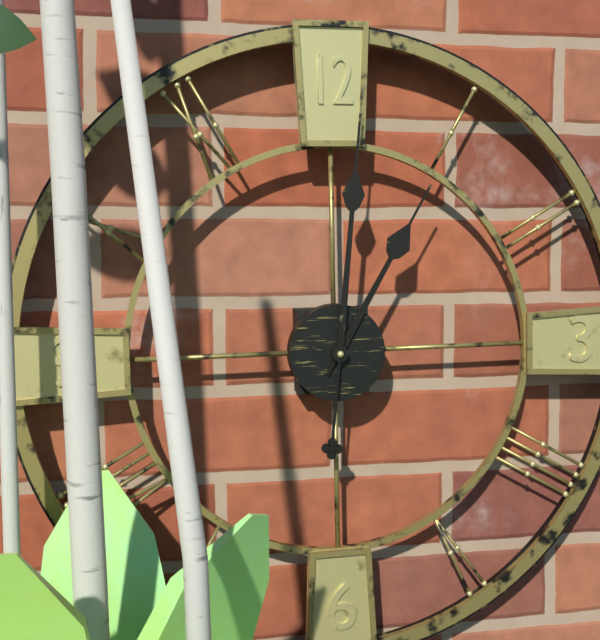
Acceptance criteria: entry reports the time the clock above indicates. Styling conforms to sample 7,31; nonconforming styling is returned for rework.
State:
1,01
